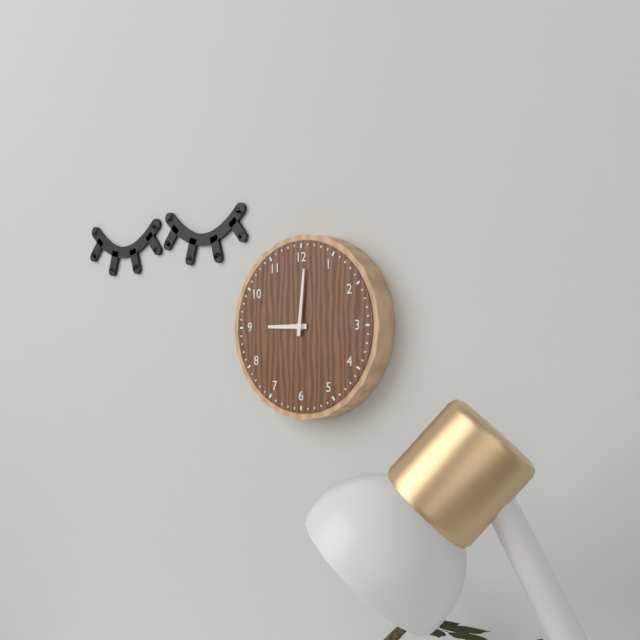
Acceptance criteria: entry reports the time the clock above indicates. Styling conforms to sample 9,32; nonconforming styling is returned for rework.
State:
9,01
